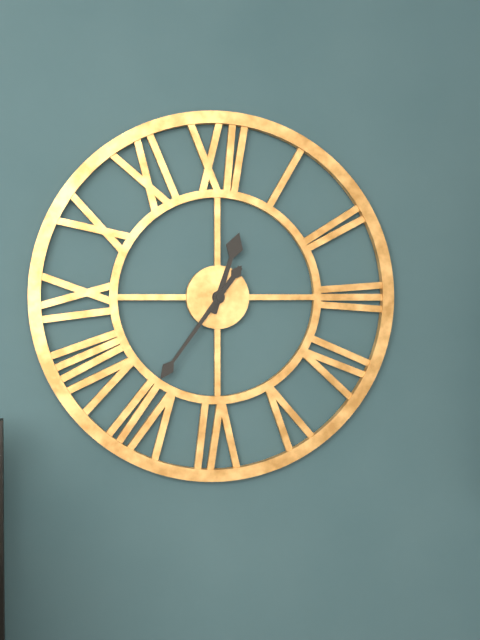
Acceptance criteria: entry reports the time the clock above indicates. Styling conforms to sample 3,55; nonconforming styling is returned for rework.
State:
12,36
